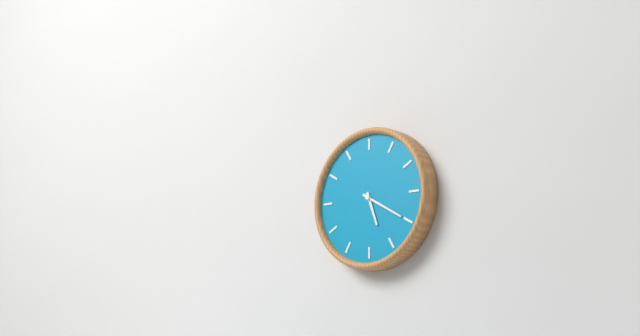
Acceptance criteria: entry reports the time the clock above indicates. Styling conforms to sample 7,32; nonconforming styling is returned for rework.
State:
5,20
